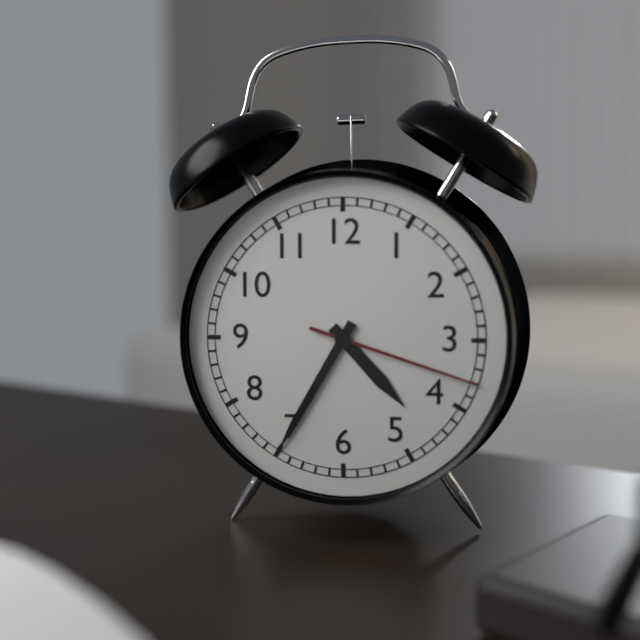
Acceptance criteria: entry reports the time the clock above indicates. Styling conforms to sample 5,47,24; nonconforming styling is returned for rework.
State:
4,35,18
